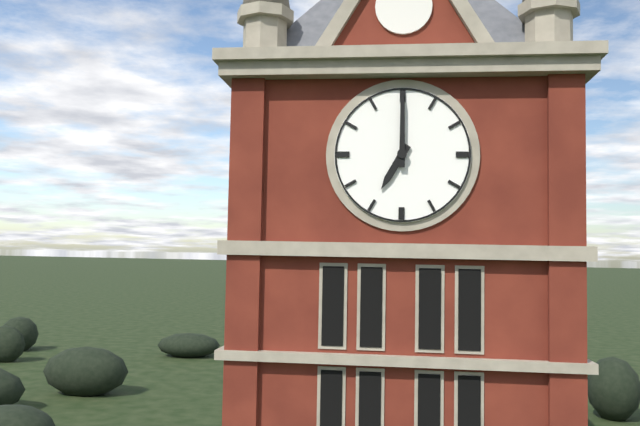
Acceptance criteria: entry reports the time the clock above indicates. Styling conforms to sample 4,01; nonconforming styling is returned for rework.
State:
7,00
